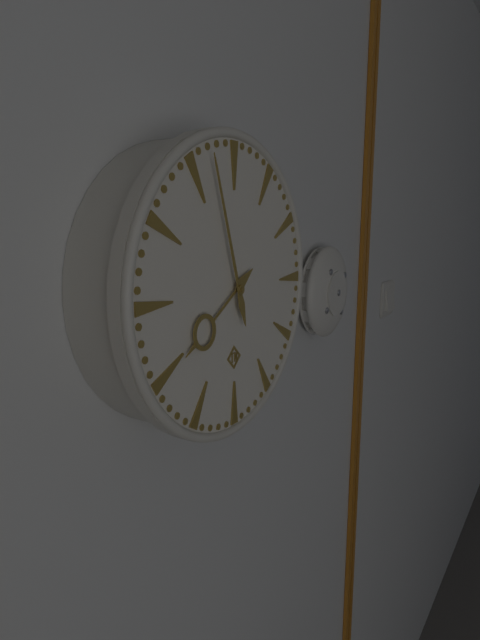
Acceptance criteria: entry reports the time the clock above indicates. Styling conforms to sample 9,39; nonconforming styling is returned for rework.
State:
7,57
